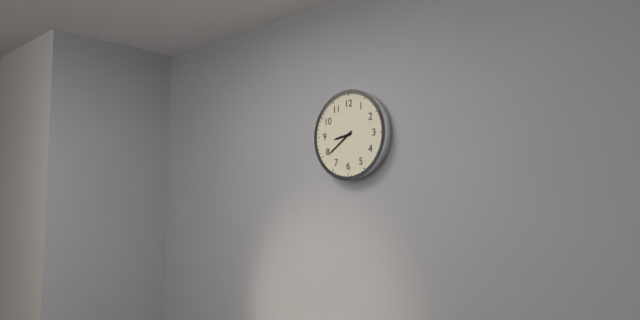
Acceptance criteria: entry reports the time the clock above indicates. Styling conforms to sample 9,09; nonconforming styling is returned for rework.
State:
8,39
